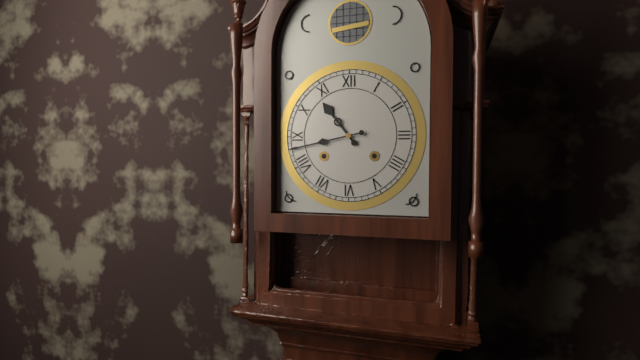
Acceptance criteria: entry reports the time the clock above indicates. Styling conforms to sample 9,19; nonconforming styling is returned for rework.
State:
10,43
